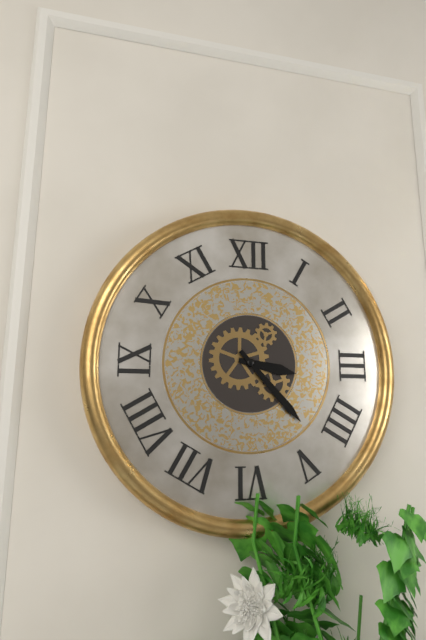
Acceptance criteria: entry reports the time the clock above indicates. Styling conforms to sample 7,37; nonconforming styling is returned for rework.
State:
3,23
